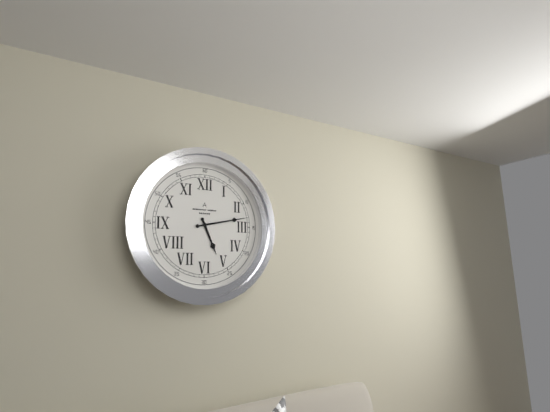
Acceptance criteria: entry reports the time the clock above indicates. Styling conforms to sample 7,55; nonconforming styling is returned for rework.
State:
5,13
